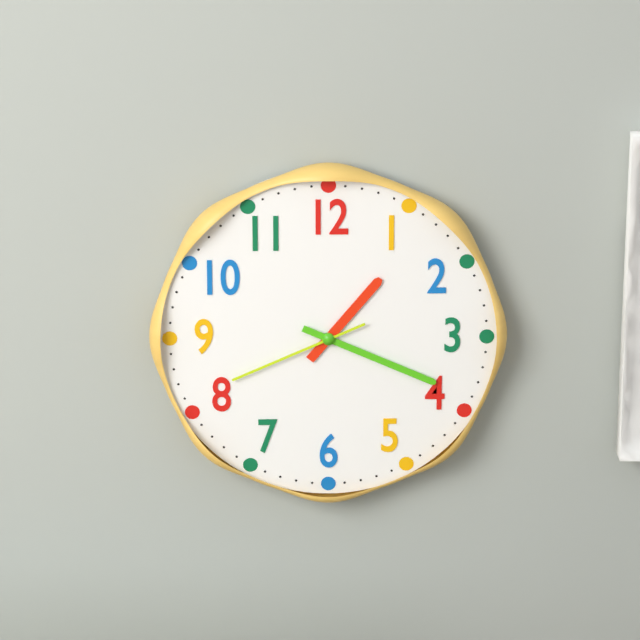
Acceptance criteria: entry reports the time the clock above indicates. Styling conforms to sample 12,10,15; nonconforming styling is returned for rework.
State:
1,19,41
